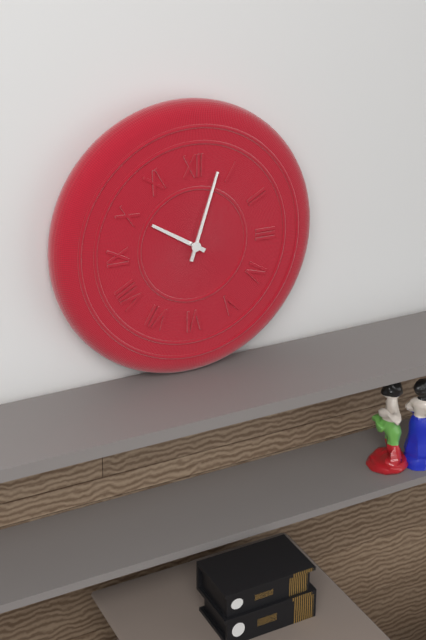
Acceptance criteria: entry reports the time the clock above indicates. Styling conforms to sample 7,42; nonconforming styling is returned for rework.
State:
10,03
